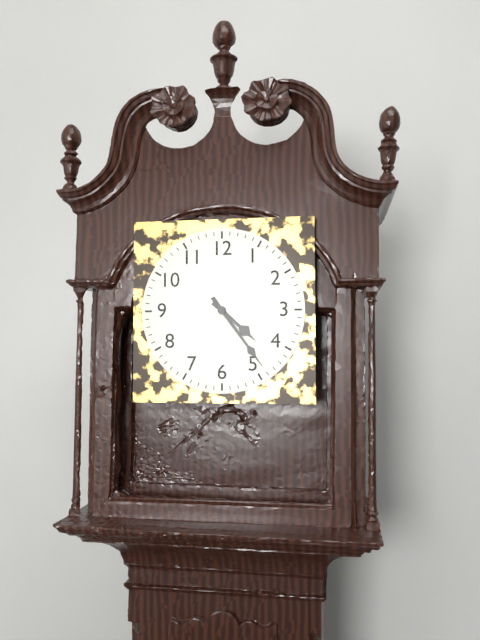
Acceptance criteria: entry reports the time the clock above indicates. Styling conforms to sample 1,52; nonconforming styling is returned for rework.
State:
4,24
